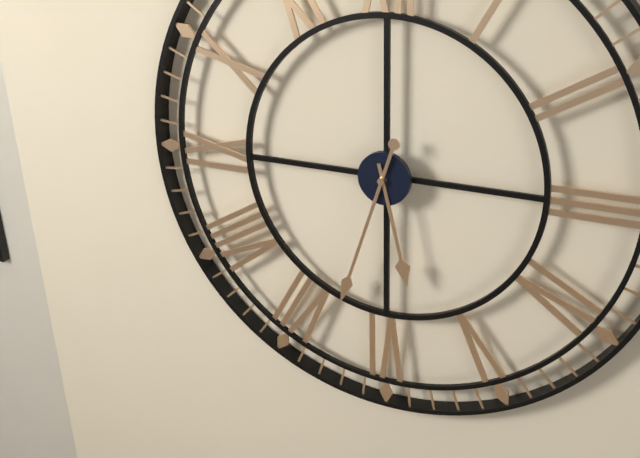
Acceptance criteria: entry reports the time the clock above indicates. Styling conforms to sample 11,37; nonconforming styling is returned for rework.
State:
5,33
